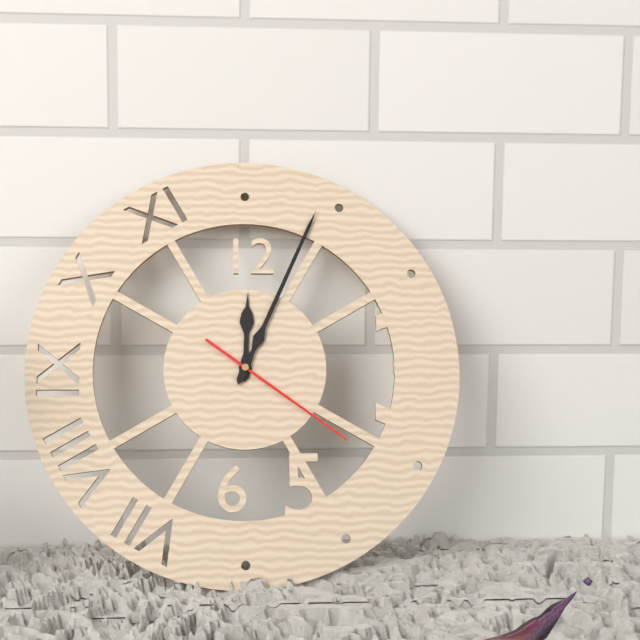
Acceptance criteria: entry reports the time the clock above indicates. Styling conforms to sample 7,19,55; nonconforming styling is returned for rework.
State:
12,04,21
